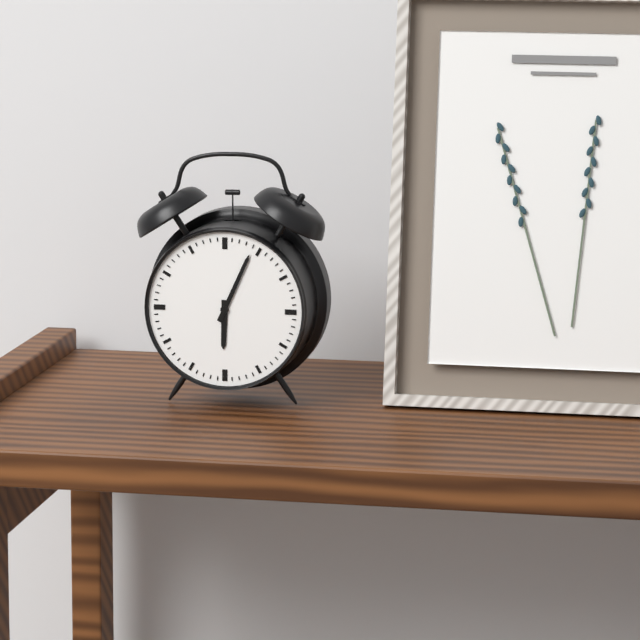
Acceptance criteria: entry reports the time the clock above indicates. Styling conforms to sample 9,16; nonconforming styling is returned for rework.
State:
6,04
